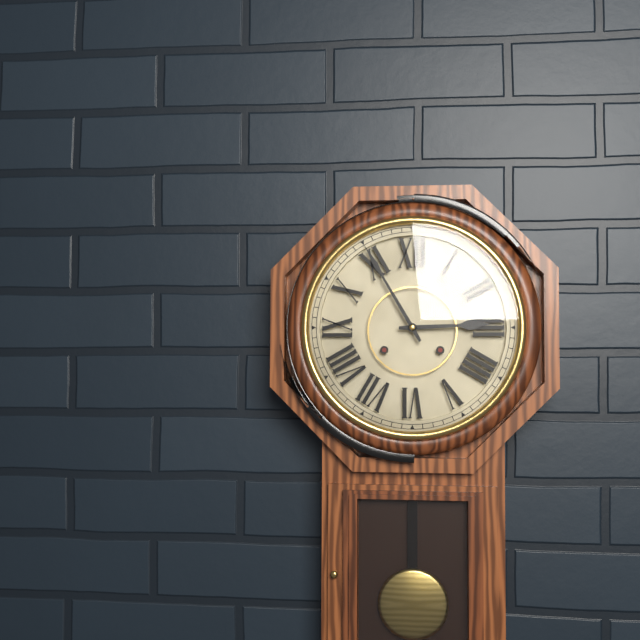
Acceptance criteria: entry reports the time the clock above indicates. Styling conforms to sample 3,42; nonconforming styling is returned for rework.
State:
2,55
